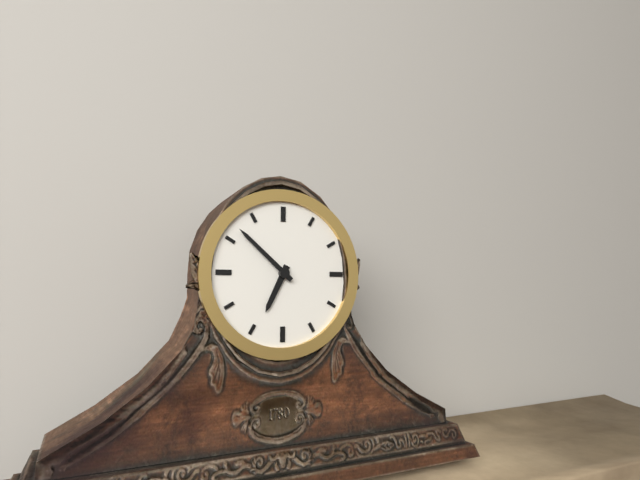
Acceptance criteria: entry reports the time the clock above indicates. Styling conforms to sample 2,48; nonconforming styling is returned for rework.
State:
6,52
